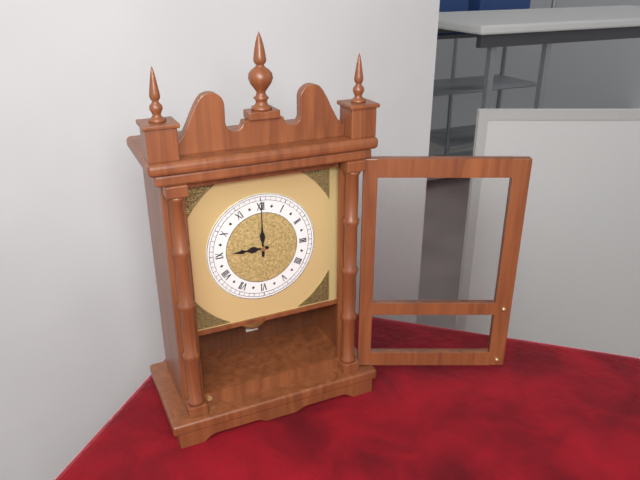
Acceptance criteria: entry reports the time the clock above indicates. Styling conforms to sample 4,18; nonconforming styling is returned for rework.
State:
9,00
